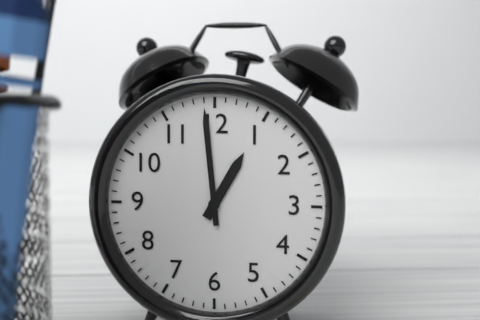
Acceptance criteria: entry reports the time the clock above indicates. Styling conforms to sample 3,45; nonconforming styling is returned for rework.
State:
12,59
